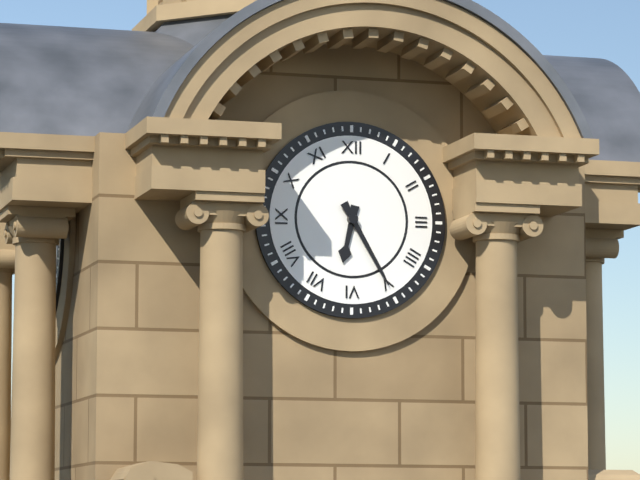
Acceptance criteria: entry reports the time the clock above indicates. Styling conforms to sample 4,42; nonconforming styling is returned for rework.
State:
6,25
